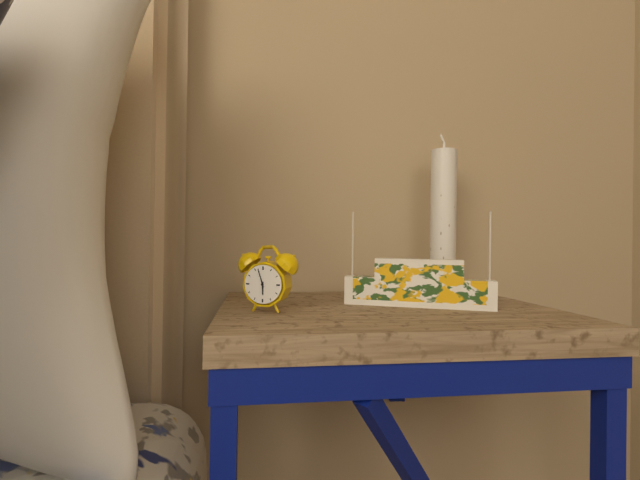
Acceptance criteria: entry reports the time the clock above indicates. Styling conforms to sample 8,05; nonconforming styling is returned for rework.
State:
5,57
